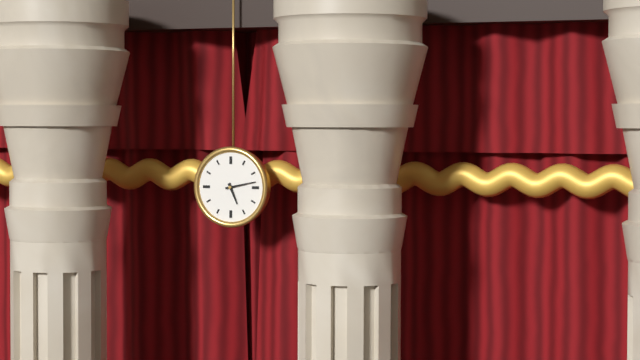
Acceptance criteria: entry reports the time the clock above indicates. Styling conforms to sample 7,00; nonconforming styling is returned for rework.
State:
5,13
